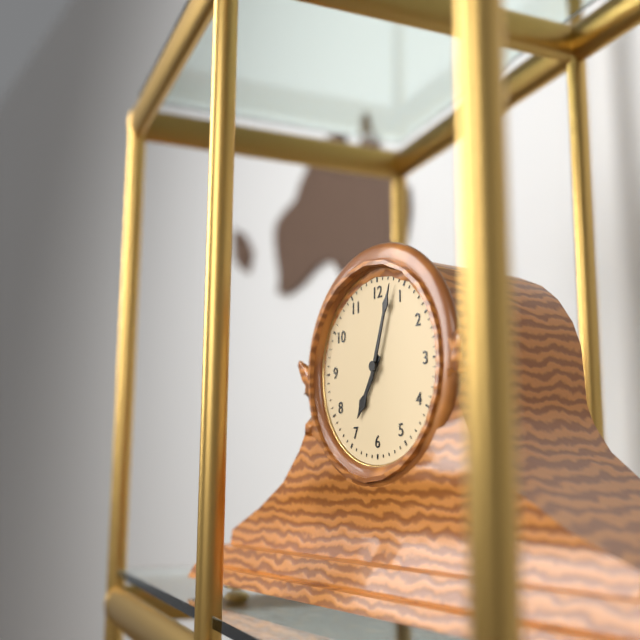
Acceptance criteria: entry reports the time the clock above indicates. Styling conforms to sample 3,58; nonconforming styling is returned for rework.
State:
7,03
